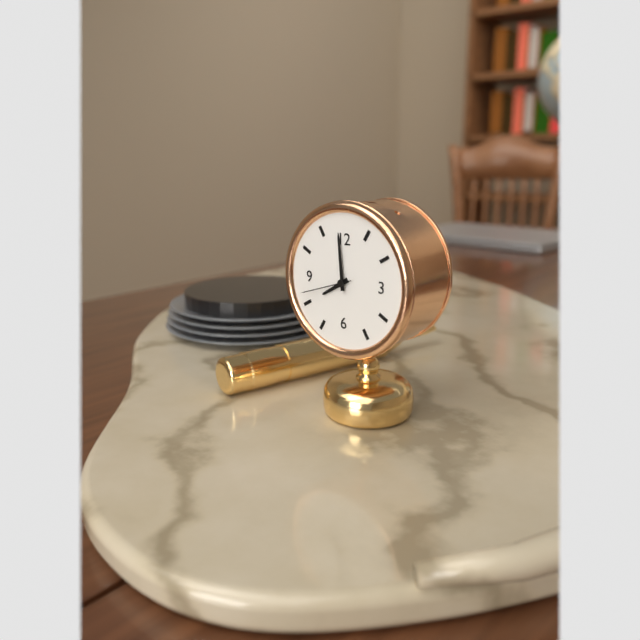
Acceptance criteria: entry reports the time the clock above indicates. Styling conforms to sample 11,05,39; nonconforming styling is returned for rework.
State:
7,59,42
